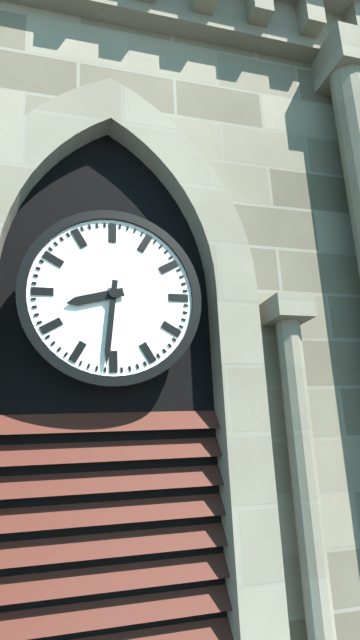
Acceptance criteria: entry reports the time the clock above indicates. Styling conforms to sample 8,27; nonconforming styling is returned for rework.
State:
8,31
